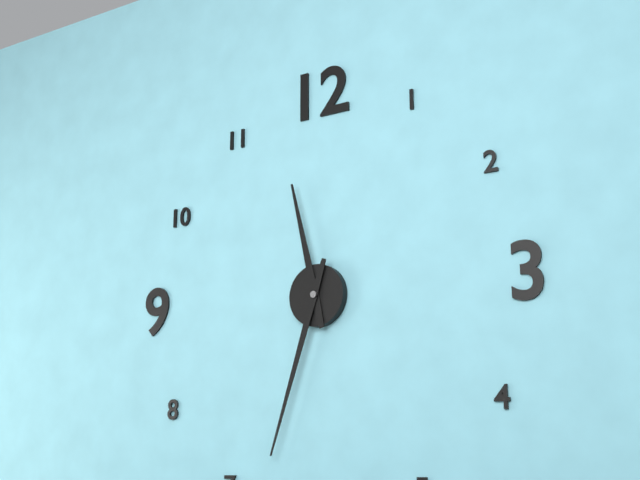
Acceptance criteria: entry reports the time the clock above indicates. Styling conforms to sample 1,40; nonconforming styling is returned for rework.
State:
11,33
